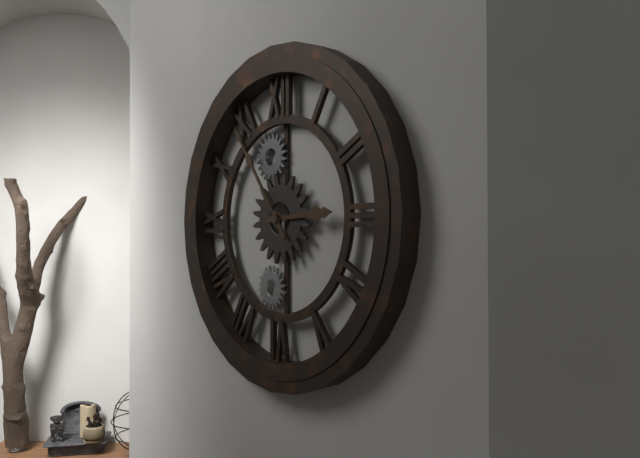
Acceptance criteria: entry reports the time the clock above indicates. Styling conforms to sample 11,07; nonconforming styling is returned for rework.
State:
2,54
